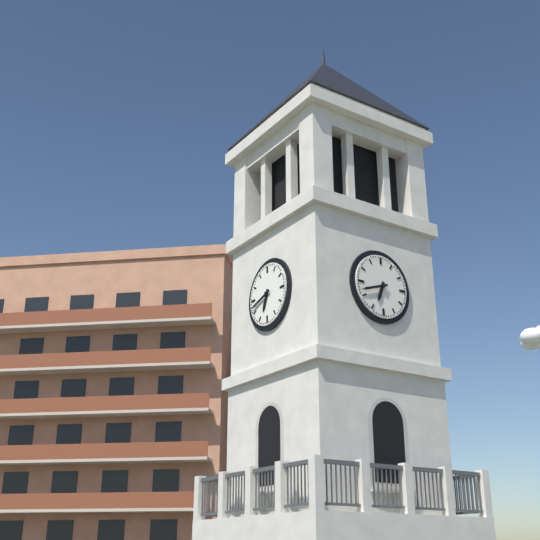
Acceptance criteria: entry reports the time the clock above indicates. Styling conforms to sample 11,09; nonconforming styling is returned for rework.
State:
6,42
